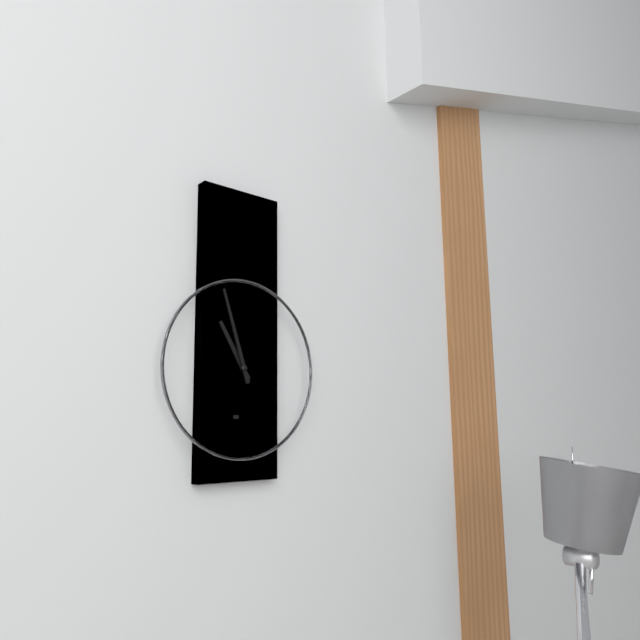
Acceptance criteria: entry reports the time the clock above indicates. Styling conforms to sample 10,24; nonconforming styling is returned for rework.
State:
10,57
